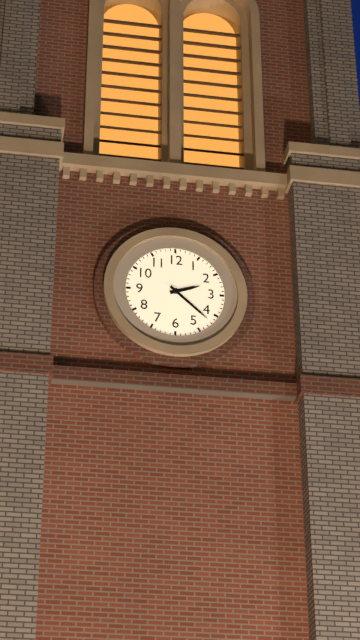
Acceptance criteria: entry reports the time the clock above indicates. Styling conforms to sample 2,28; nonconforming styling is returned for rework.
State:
2,22
